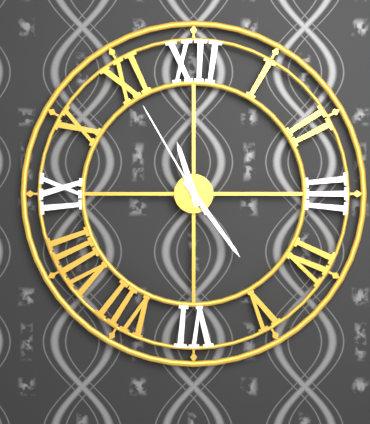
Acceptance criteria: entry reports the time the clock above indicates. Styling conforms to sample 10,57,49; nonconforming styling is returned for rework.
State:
11,24,55
